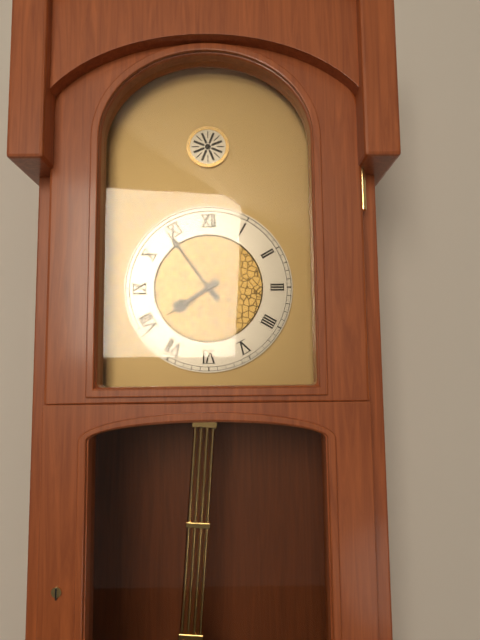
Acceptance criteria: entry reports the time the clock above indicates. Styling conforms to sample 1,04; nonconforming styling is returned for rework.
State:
7,54
